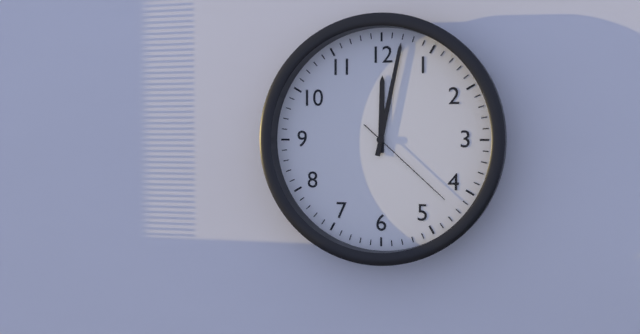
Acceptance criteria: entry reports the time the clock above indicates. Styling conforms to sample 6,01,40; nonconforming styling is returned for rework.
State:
12,02,22
